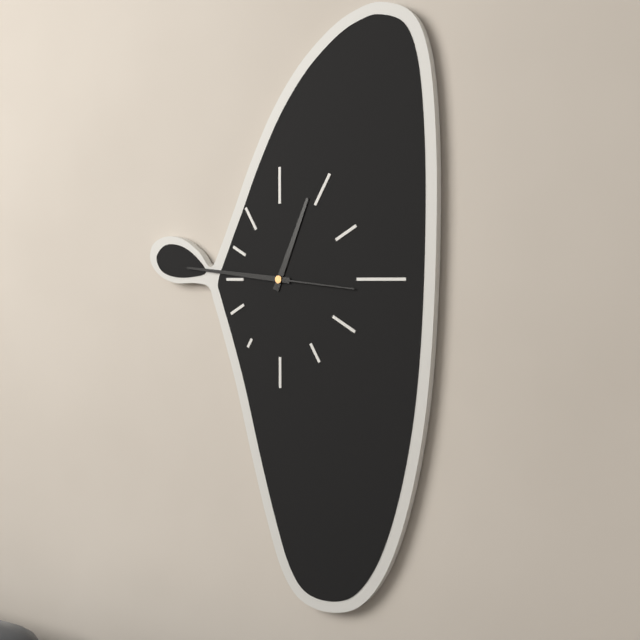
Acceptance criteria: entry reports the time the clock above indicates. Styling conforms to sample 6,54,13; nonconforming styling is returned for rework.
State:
12,46,16
